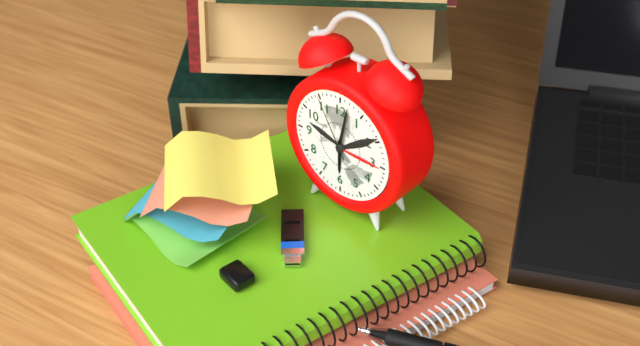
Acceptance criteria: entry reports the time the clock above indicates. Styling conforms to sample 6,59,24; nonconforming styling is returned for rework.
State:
6,02,55
